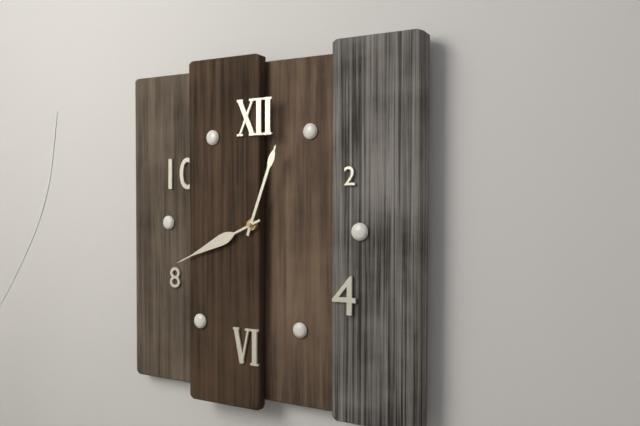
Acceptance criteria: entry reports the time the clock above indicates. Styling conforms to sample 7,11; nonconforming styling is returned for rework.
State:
12,41
